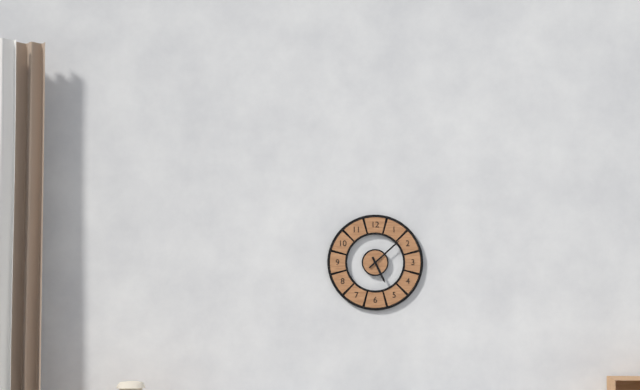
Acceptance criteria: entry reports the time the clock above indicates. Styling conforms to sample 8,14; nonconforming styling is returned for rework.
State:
5,08
